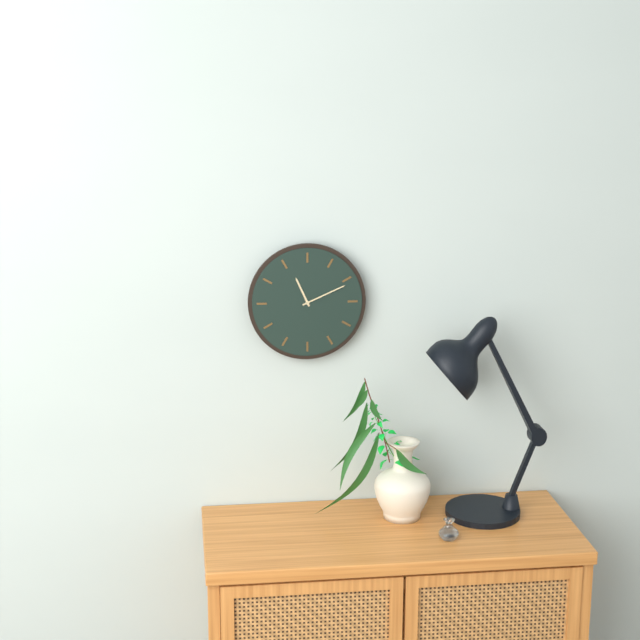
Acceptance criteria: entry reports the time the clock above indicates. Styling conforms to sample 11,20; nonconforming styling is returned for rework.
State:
11,11
